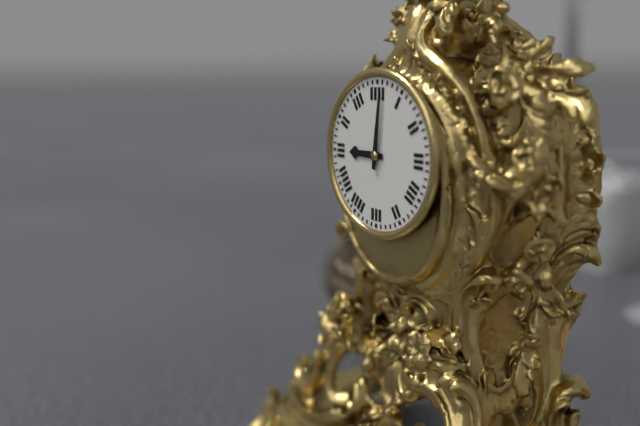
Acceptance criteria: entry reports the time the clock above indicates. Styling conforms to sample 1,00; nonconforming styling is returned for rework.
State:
9,01
